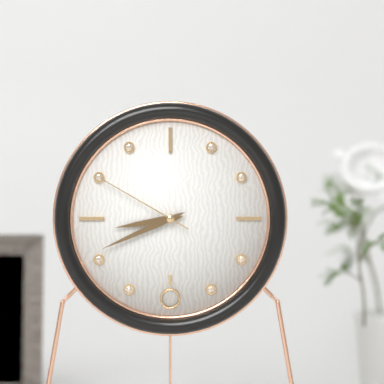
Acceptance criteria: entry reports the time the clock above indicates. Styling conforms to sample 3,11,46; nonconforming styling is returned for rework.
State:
8,41,50
